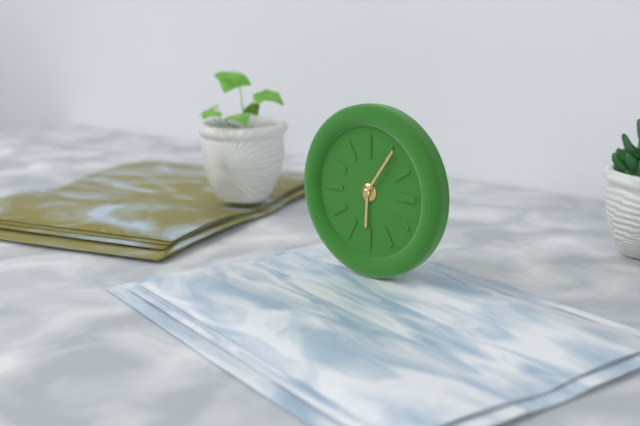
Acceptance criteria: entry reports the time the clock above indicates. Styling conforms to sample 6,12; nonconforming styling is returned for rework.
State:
6,06
